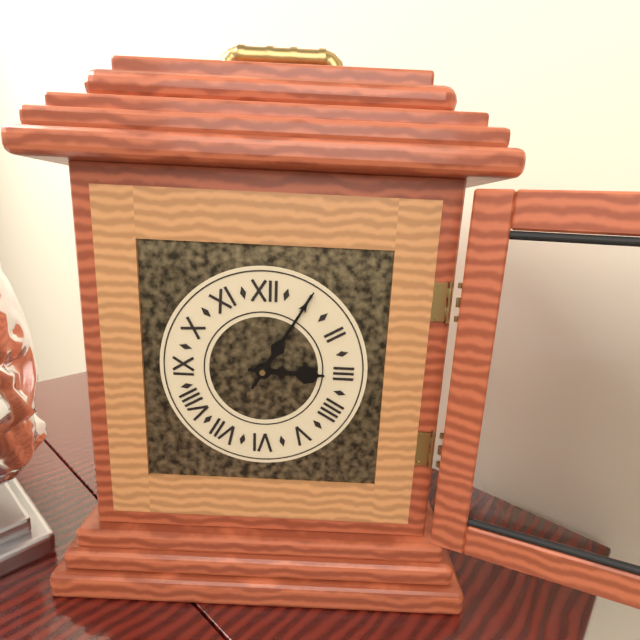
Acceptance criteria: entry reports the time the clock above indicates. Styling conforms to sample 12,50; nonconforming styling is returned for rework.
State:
3,05
